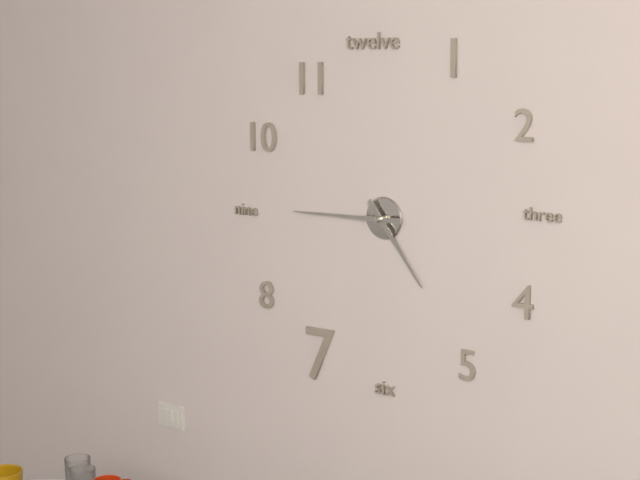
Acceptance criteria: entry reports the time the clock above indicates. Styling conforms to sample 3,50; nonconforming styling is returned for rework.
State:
4,45
